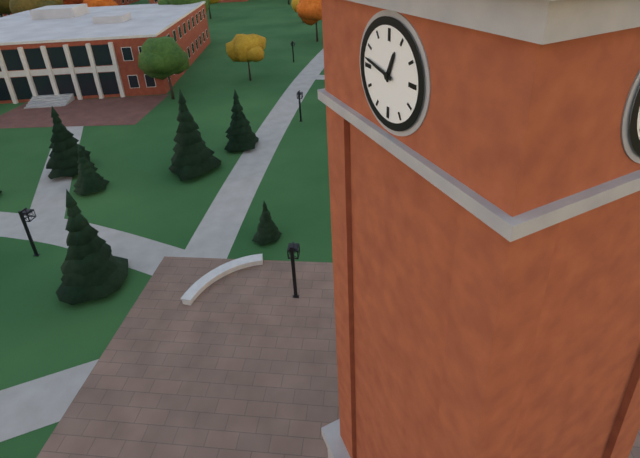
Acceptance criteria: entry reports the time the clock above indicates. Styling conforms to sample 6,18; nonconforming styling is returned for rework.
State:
12,47
